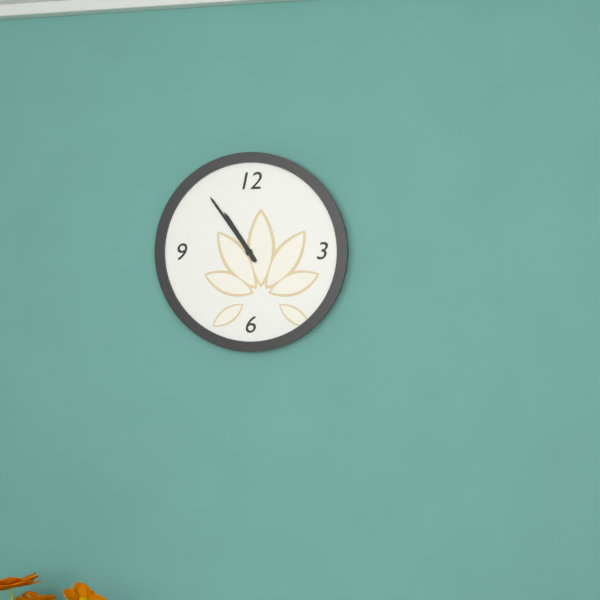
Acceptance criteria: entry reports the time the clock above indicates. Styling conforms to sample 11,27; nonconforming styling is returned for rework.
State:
10,54
